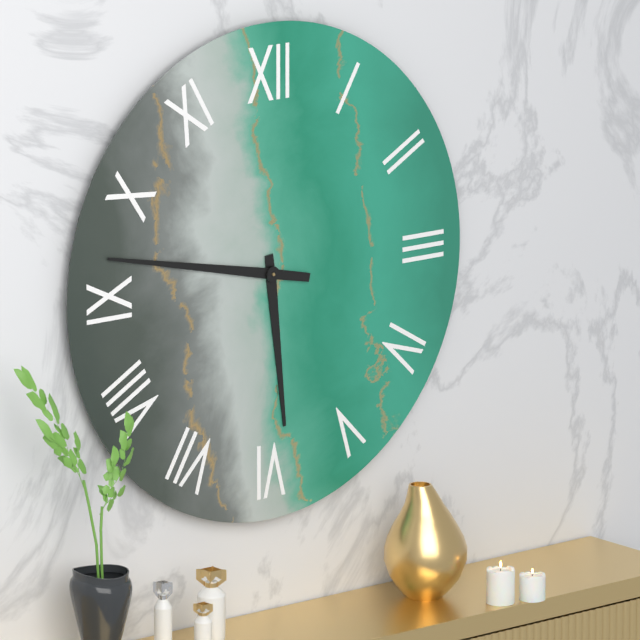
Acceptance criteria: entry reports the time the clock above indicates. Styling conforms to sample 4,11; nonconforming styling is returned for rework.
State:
5,47
